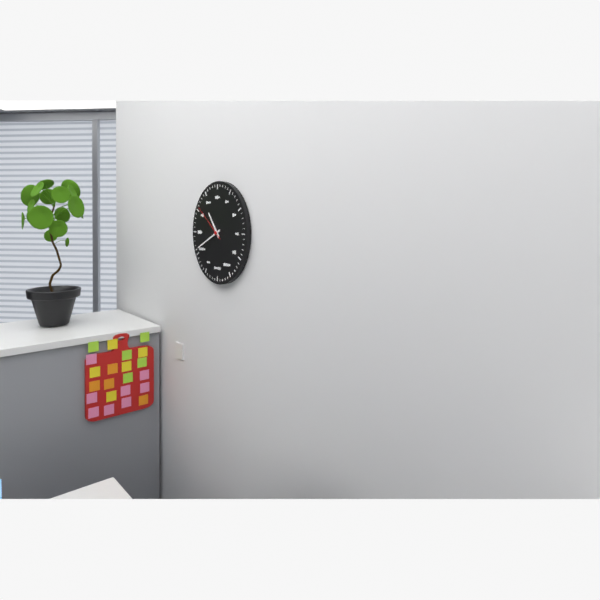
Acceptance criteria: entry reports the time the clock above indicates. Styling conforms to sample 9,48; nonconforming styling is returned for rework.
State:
10,41
